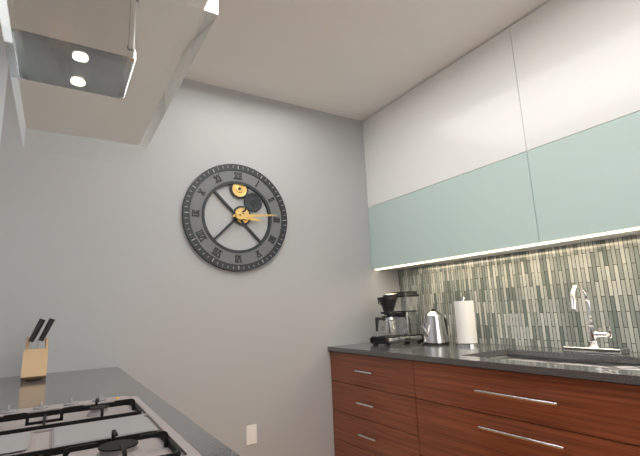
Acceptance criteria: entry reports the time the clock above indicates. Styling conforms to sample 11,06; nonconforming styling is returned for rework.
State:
3,14
